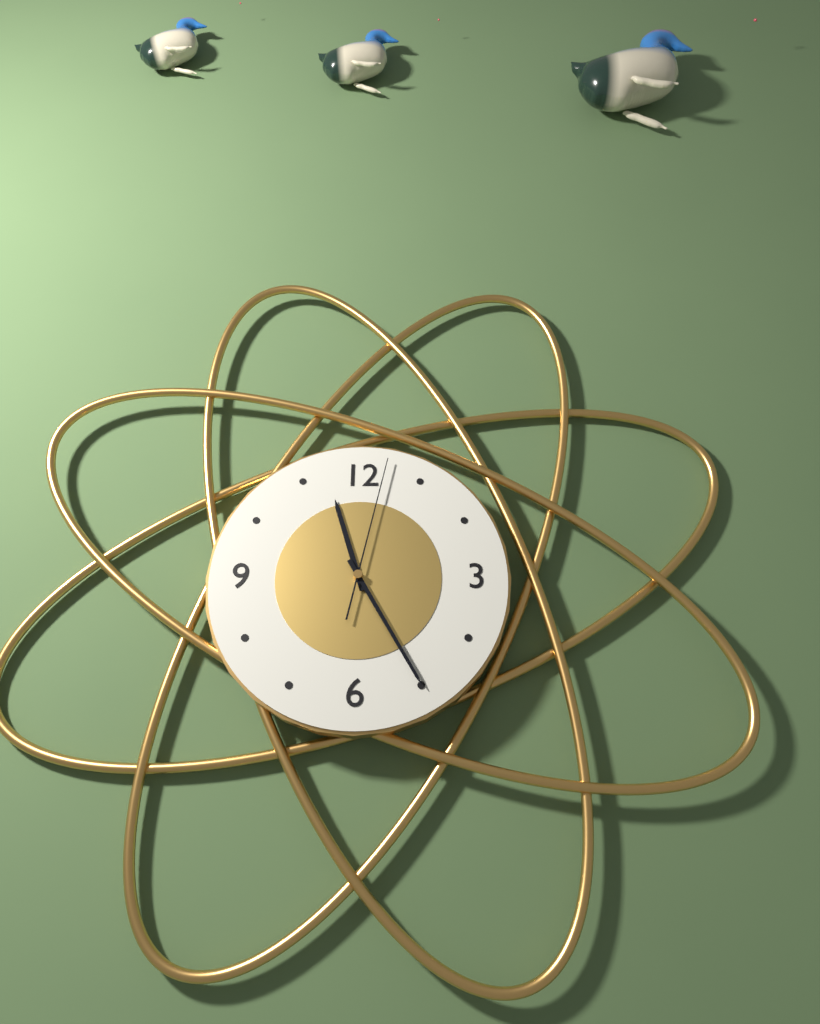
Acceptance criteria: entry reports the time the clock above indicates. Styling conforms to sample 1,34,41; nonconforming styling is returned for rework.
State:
11,25,02
